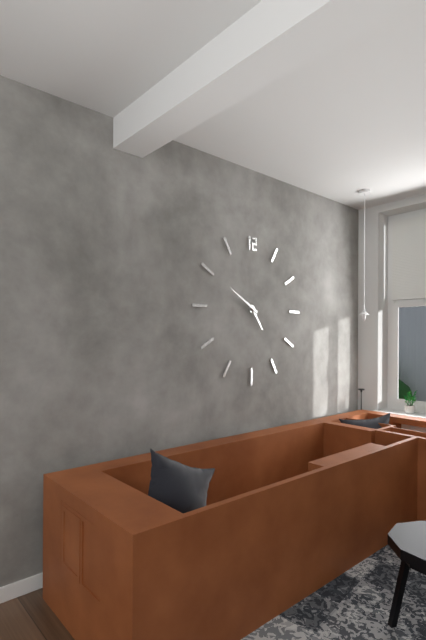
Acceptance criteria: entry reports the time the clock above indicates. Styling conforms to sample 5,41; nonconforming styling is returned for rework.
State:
4,50
